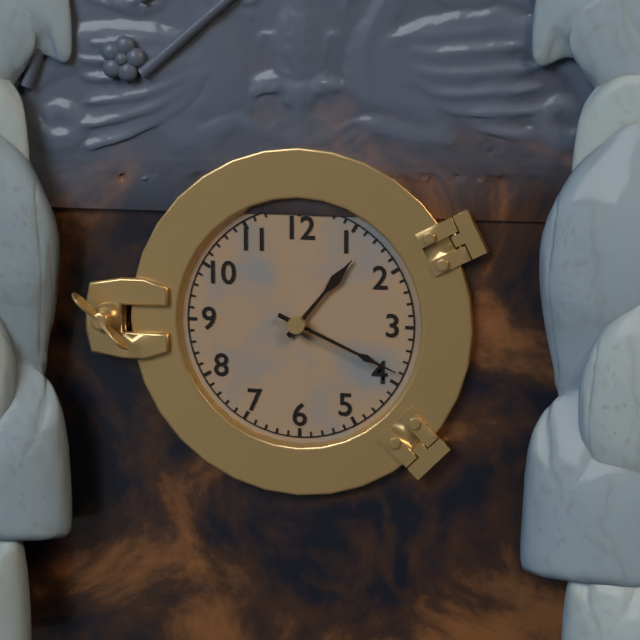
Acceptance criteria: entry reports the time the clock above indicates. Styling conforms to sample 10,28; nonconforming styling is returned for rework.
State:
1,19
